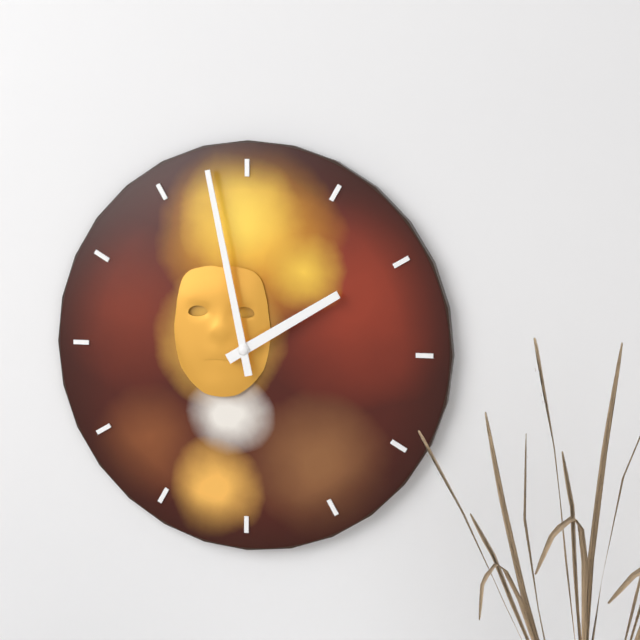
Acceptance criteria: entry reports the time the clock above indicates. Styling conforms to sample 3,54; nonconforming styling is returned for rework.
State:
1,58
